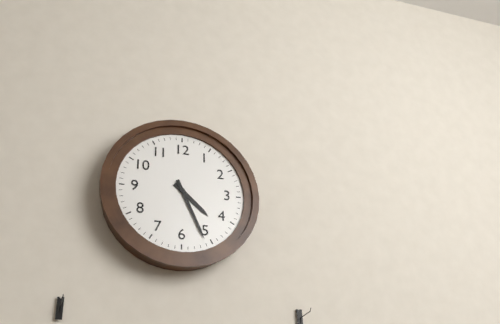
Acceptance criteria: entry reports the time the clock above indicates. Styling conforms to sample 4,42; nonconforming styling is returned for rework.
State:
4,26
